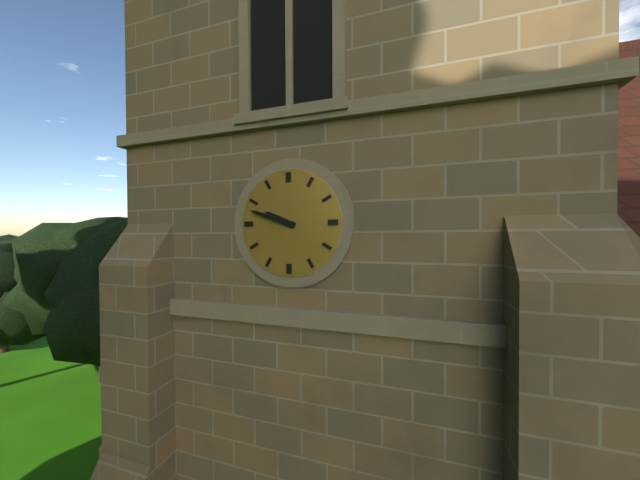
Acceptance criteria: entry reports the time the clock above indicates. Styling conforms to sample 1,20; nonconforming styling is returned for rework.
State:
9,48
